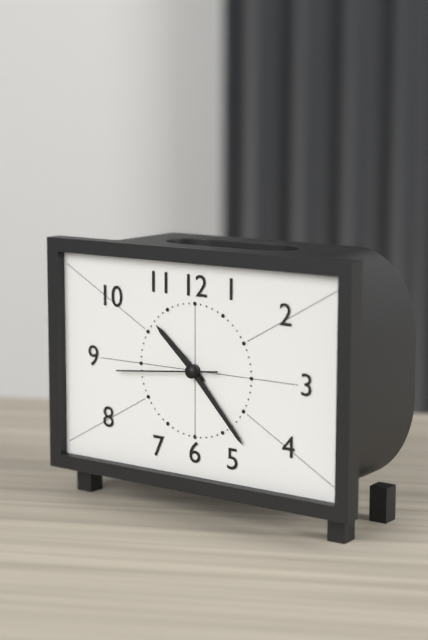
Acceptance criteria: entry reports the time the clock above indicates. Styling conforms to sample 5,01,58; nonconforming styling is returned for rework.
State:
10,23,44
